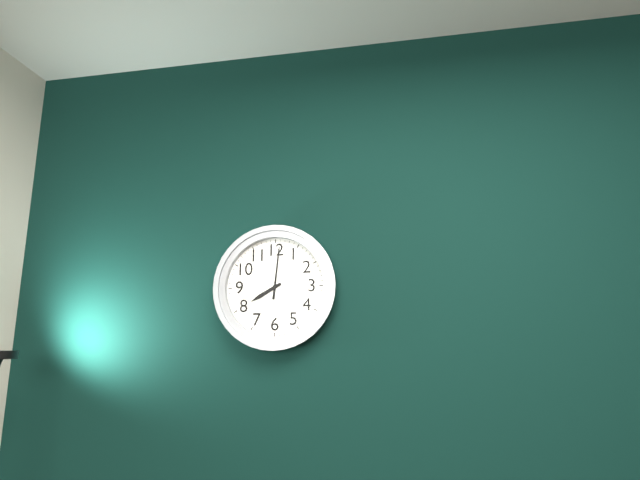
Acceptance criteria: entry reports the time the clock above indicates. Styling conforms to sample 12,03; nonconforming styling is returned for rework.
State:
8,01
